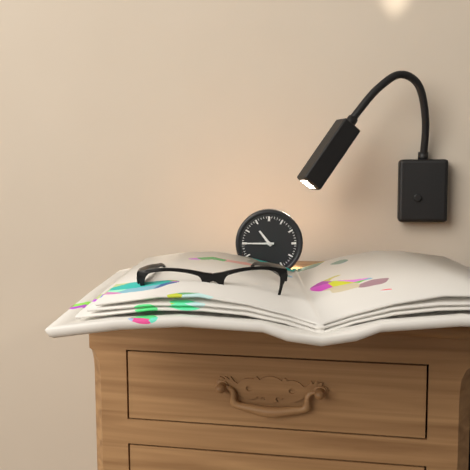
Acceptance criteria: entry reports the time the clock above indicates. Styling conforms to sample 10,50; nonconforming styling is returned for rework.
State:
10,45
